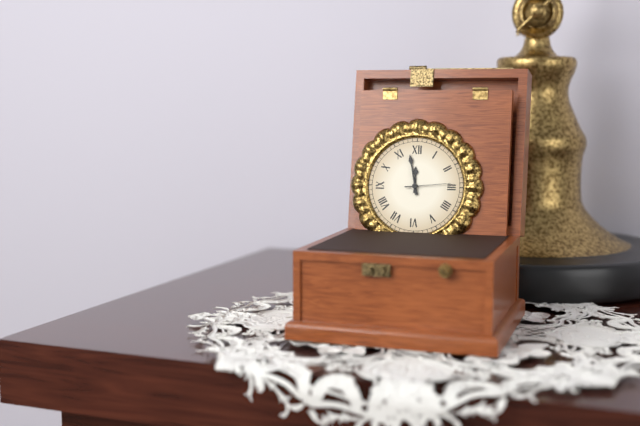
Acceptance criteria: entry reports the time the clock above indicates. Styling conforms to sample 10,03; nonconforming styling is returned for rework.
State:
11,58
